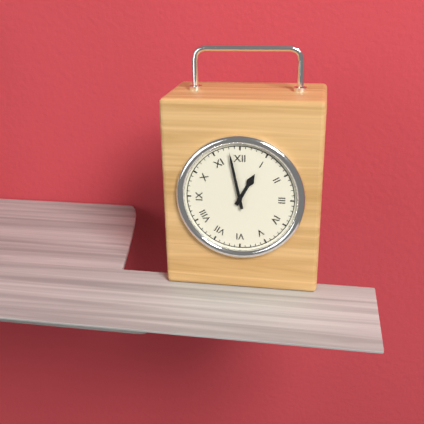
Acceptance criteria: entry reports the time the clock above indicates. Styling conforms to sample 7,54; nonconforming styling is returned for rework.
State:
12,58
